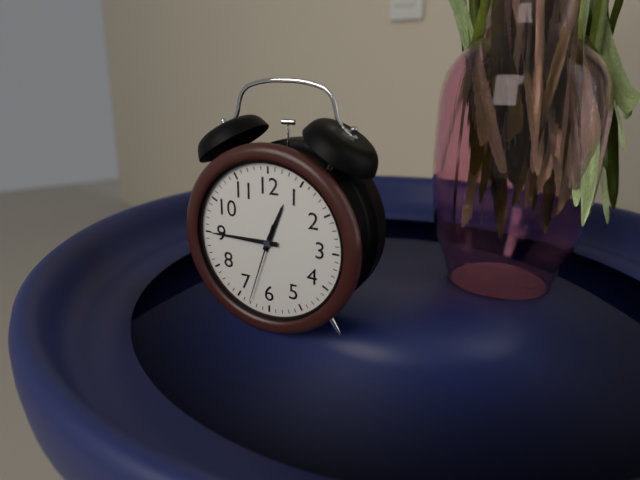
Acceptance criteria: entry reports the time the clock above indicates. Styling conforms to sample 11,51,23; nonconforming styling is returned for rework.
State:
12,45,33
